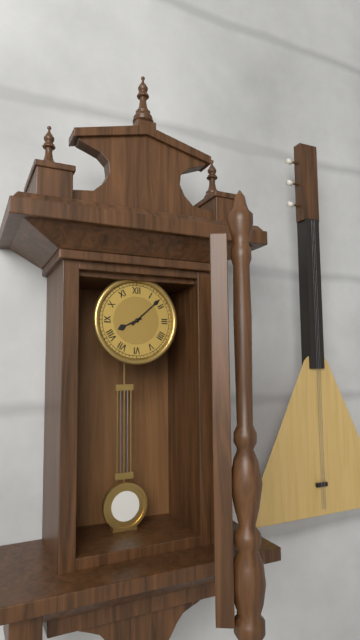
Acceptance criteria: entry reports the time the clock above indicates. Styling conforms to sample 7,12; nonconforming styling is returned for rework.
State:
8,08
